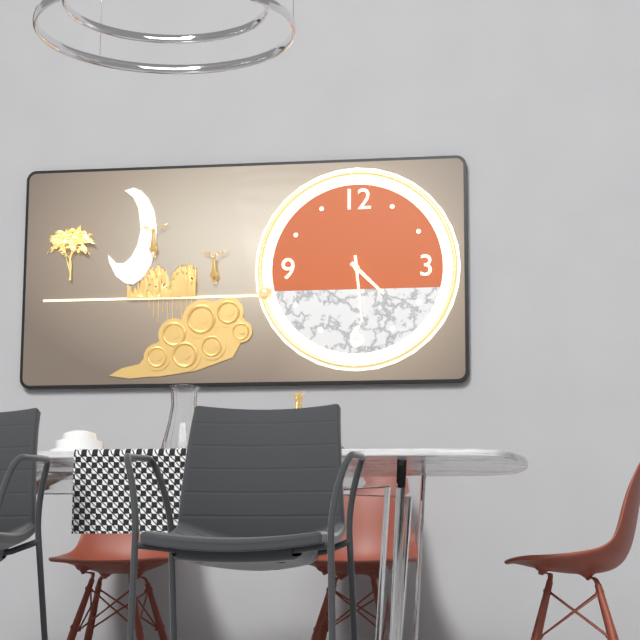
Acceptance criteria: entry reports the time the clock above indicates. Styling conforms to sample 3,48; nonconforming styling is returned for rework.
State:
4,29
